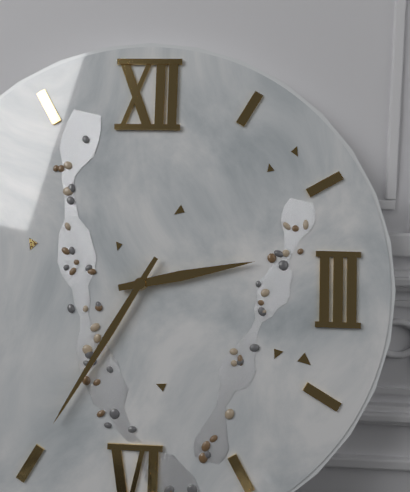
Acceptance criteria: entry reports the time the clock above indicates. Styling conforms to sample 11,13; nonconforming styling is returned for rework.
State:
2,35
